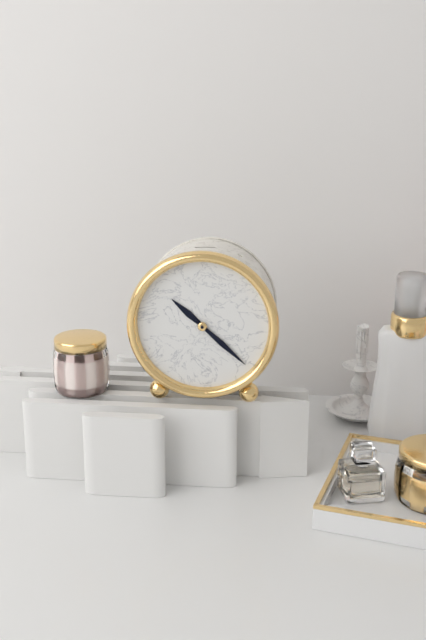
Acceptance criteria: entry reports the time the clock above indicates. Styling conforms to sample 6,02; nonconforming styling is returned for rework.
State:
10,22
